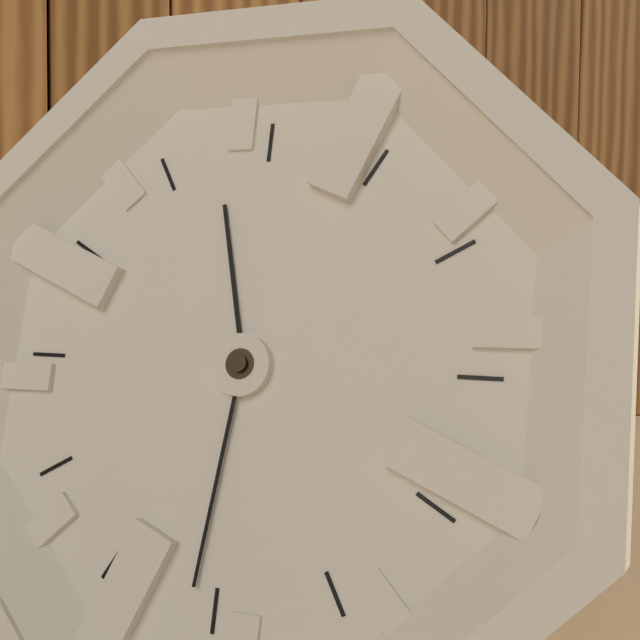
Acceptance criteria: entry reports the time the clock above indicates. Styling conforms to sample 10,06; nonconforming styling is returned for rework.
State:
11,31
